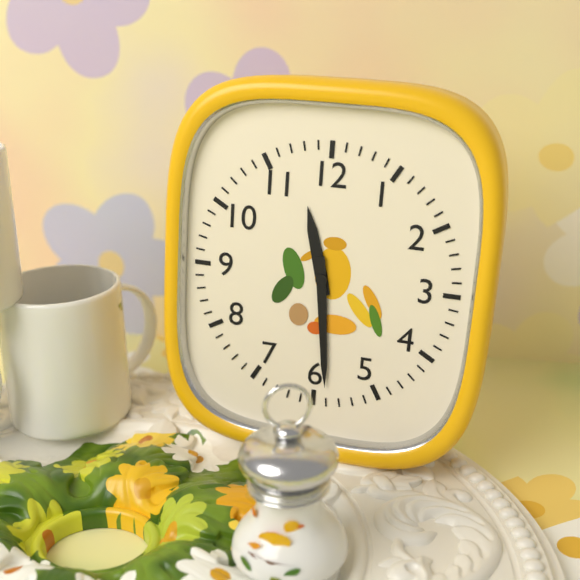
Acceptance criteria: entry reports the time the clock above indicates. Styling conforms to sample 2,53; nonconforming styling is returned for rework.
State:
11,29
